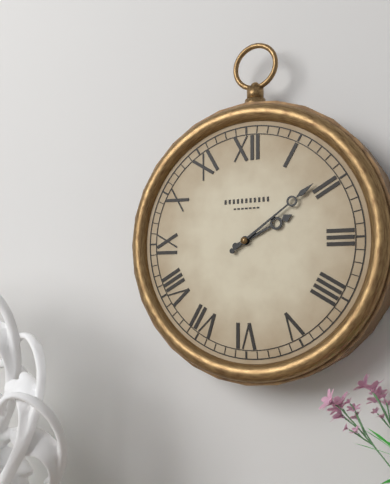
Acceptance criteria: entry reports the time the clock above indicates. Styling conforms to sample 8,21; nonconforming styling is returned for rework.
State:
2,09
